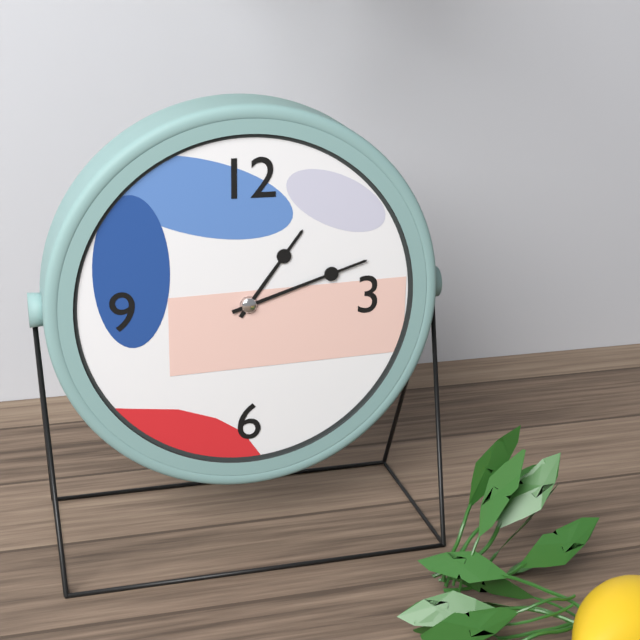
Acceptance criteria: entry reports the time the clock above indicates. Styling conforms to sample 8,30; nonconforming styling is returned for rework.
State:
1,12
